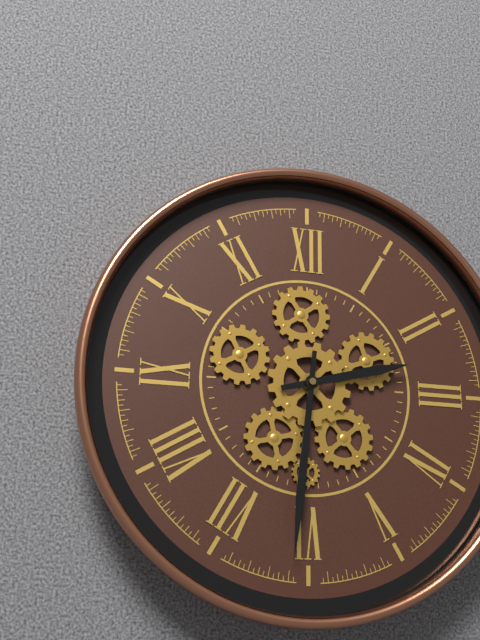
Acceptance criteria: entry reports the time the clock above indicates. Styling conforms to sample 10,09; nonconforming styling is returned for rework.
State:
2,31
